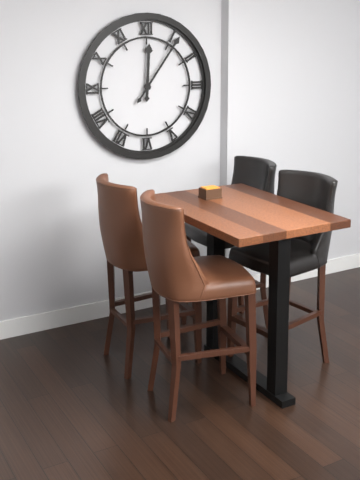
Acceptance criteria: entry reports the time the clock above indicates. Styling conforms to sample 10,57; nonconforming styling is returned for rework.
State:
12,06
